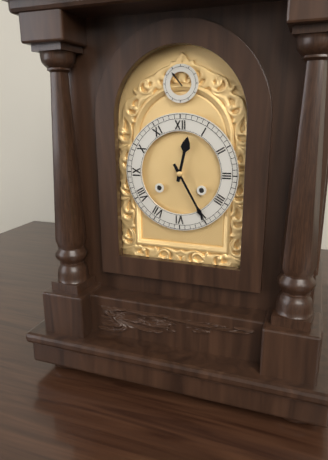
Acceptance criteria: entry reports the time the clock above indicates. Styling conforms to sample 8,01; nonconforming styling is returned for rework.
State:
12,25
